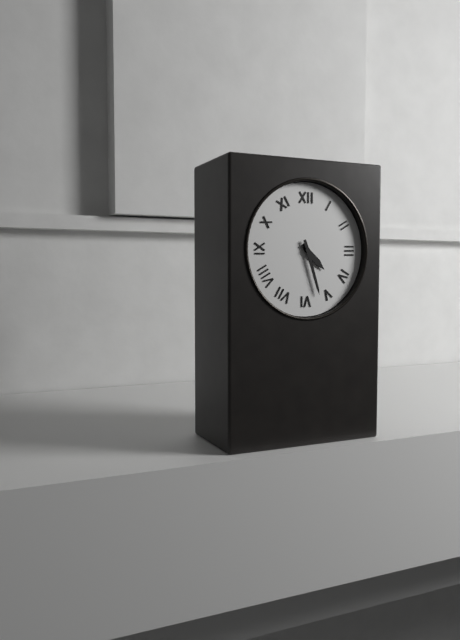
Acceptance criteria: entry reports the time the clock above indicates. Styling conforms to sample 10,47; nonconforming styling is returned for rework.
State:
4,27
